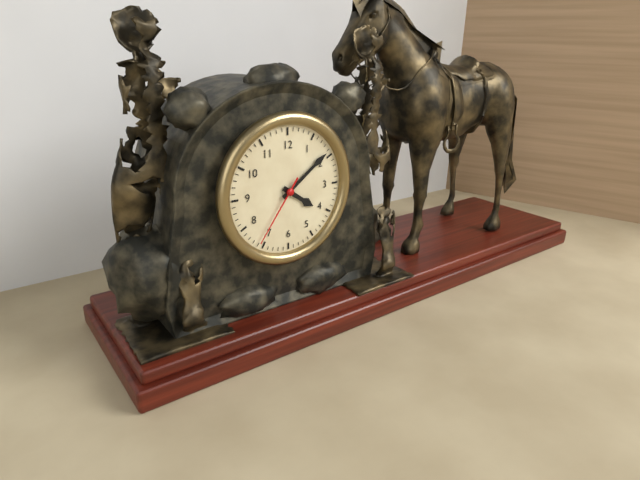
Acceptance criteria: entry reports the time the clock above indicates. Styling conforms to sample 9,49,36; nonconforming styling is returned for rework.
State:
4,09,36
